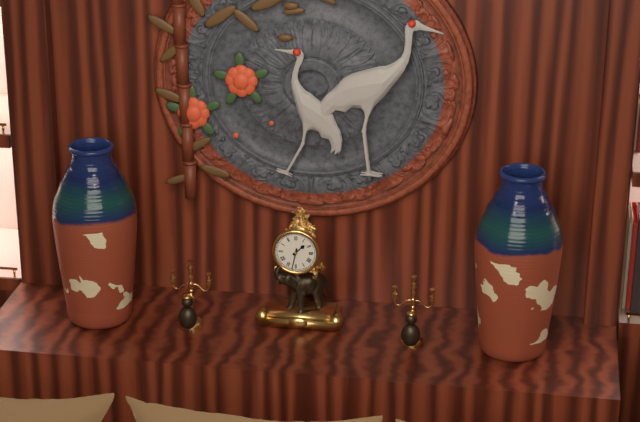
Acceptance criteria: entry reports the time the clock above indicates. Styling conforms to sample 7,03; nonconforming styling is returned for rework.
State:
1,32
